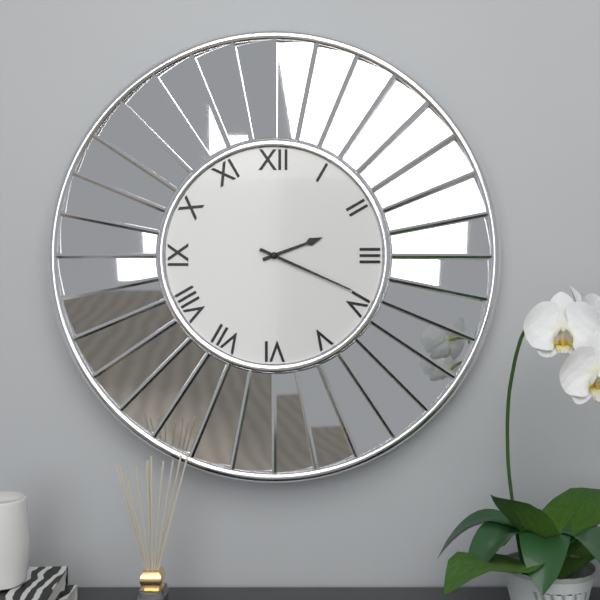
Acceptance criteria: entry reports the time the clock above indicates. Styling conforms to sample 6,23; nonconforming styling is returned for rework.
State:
2,19
